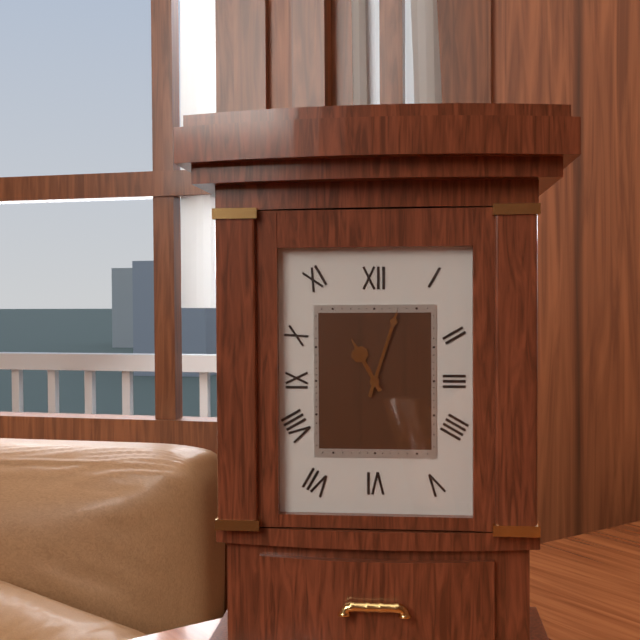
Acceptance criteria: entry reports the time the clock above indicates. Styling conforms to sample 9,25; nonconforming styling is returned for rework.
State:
11,03
